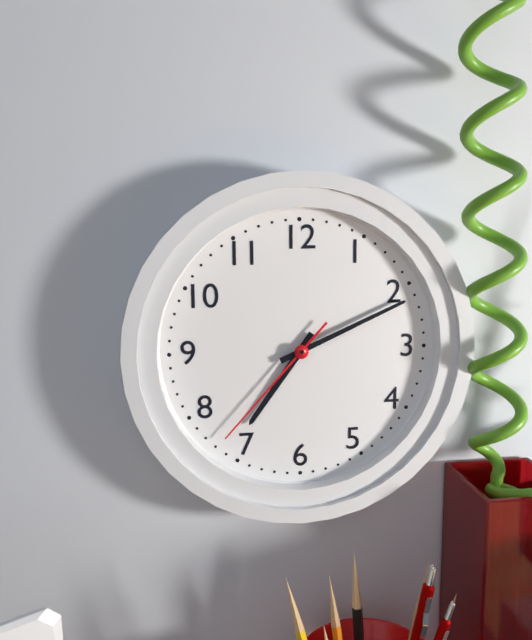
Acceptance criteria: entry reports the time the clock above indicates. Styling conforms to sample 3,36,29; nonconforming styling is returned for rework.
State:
7,11,37
